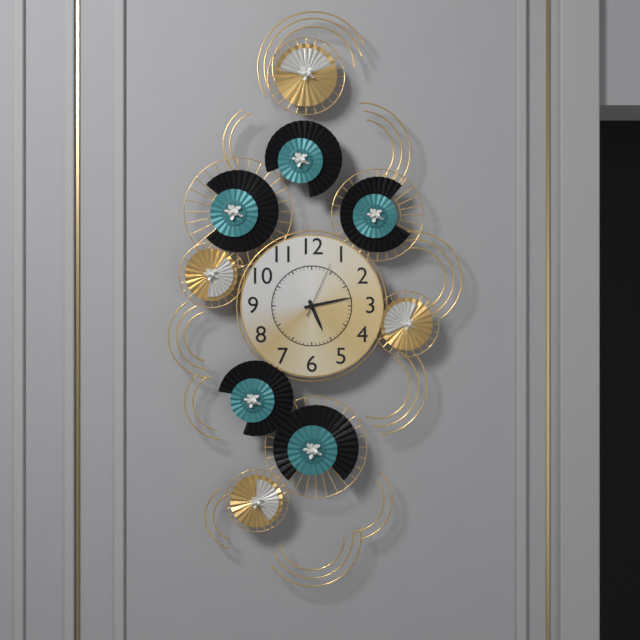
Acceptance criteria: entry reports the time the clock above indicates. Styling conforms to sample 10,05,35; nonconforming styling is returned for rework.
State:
5,13,04
